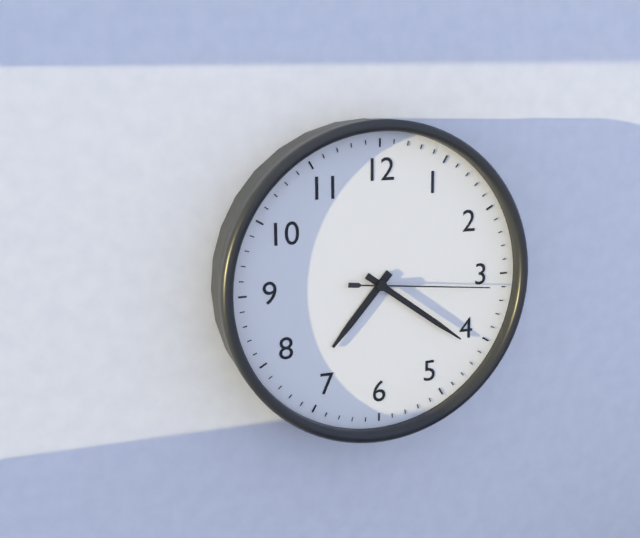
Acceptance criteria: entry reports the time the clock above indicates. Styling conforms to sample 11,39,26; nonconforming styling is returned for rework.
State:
7,21,16
